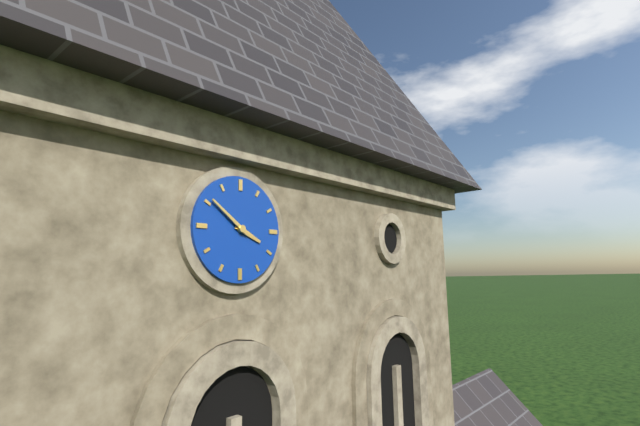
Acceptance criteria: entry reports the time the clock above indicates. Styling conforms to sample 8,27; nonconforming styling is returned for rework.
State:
3,51
